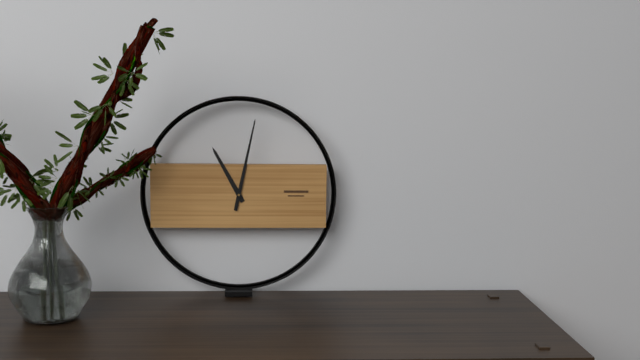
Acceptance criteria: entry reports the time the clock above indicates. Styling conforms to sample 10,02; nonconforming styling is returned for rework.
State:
11,02
